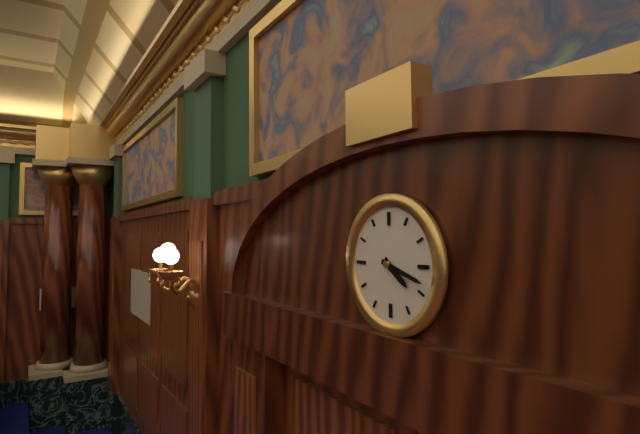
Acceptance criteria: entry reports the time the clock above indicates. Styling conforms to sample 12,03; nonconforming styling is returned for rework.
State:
4,18
